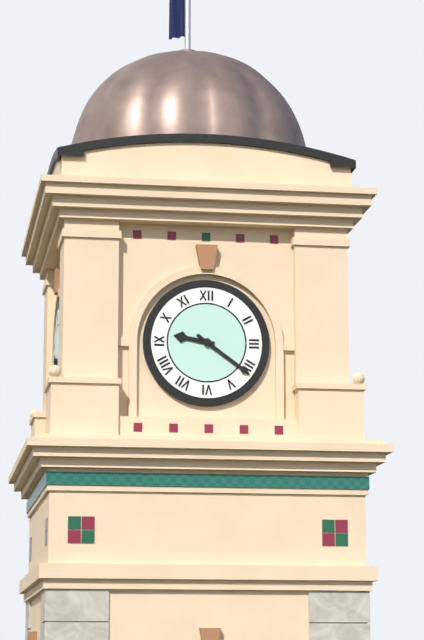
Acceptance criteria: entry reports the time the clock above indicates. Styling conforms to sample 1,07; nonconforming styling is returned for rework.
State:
9,21
